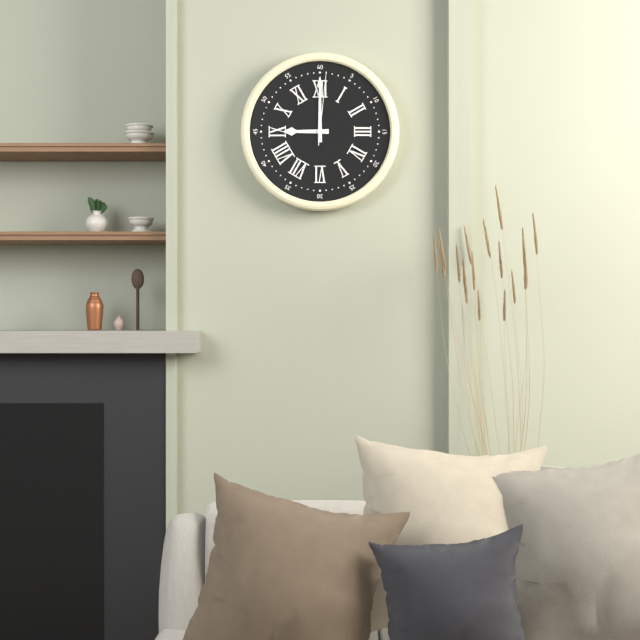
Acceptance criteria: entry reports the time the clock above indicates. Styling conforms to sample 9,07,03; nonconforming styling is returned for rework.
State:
9,00,01
